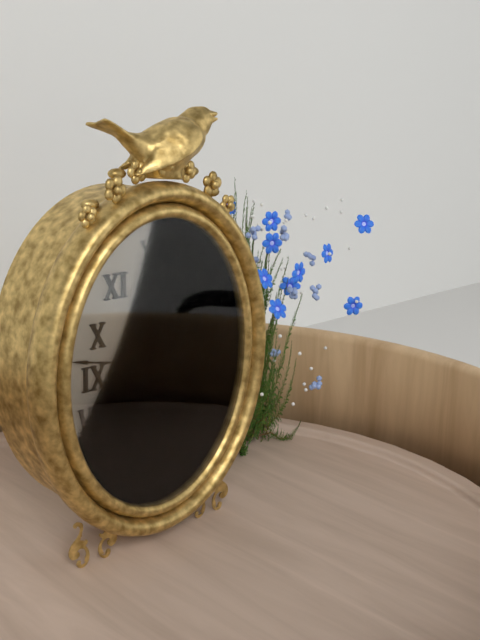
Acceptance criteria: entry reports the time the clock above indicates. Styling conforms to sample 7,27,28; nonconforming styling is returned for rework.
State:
4,47,31
